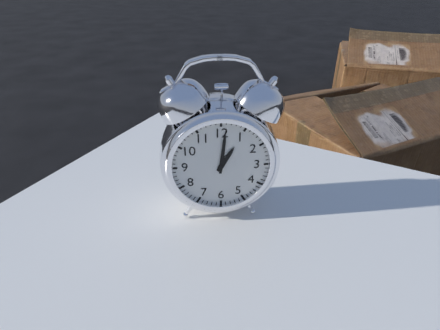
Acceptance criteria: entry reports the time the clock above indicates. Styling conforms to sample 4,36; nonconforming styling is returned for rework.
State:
1,01
